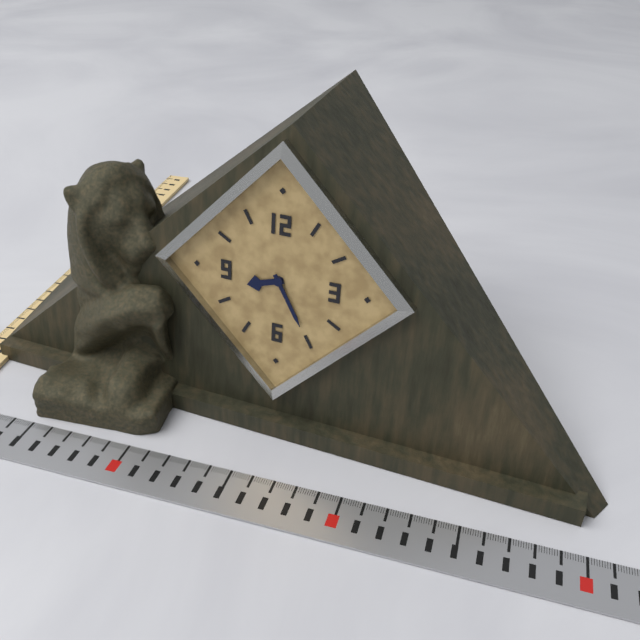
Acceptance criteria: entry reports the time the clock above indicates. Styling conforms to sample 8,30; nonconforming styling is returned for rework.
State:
8,25
